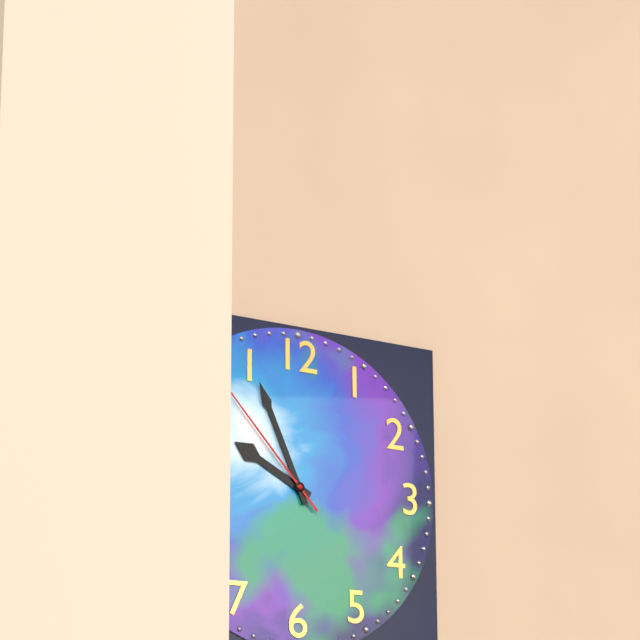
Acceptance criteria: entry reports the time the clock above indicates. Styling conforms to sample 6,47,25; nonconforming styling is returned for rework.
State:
9,56,53
